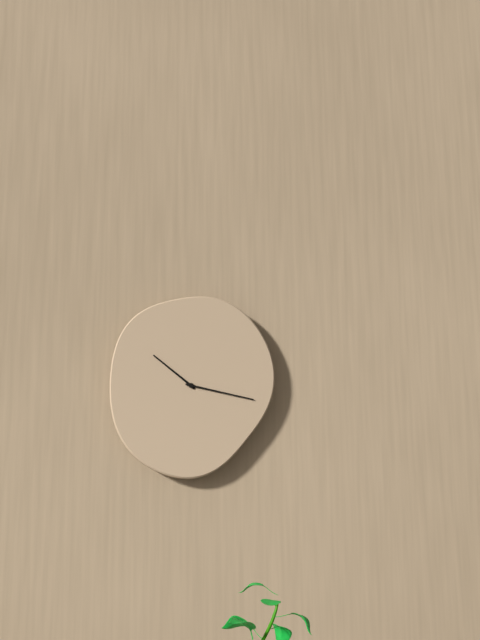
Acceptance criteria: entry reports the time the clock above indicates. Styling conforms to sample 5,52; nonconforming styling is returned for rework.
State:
10,17
